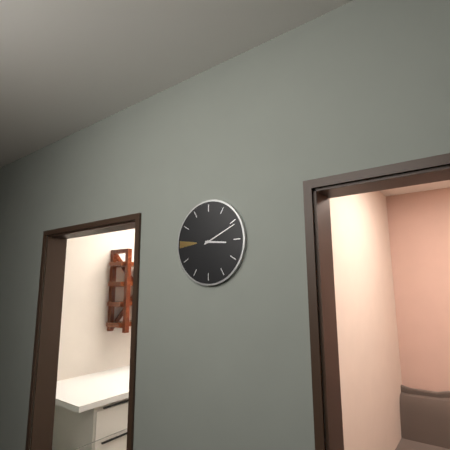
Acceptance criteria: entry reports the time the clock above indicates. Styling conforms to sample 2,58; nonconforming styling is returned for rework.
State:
3,11
